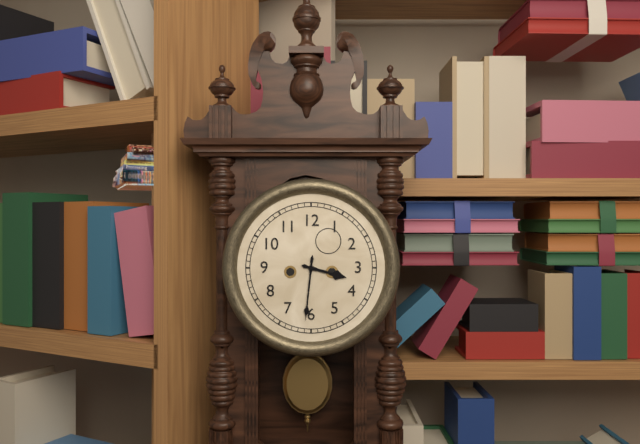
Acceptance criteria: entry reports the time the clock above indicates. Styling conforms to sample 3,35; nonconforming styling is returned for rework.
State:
3,31
